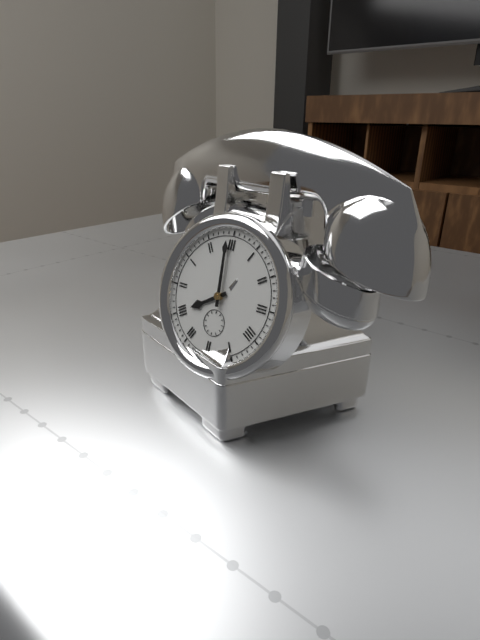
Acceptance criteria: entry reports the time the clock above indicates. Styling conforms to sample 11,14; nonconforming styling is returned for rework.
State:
7,59
